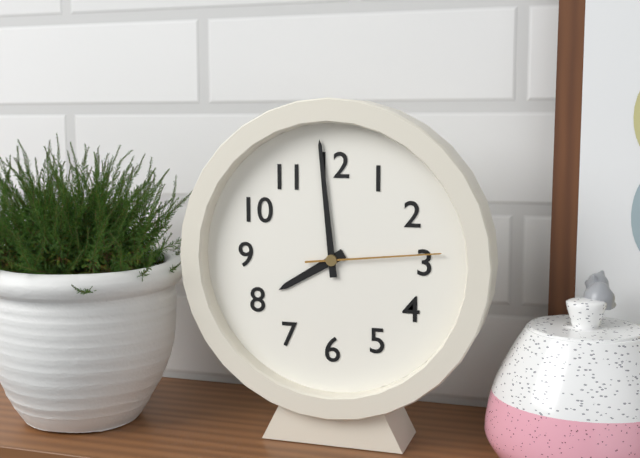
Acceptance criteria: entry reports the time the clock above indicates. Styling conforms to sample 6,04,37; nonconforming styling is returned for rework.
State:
7,59,14
